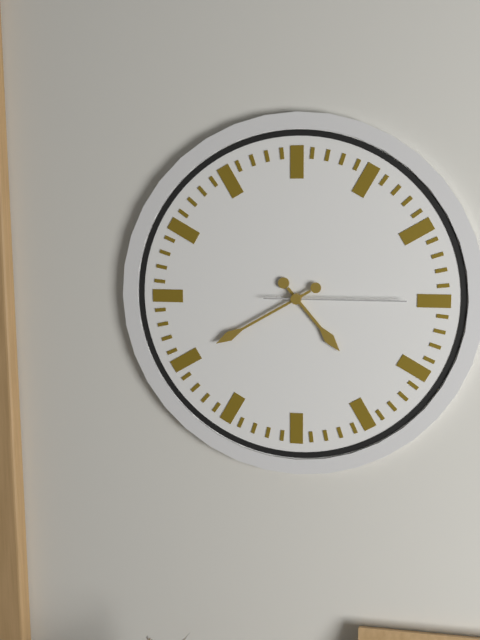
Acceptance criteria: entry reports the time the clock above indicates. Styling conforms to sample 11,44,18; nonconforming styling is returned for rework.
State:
4,40,15
